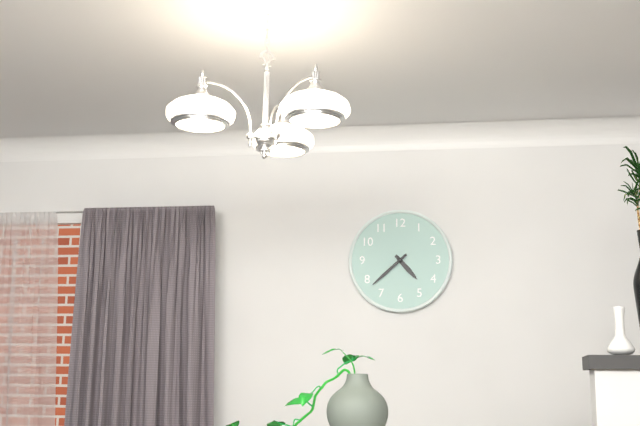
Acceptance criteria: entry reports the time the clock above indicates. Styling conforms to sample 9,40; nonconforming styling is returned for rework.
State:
4,38
